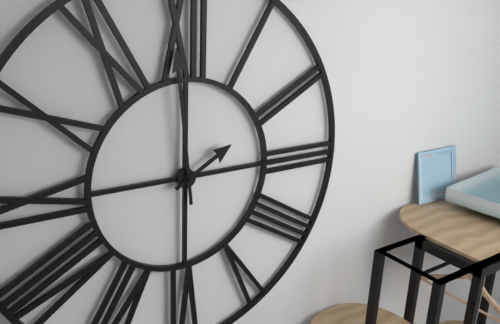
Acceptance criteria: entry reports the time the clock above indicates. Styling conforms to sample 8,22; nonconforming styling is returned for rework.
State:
1,59
